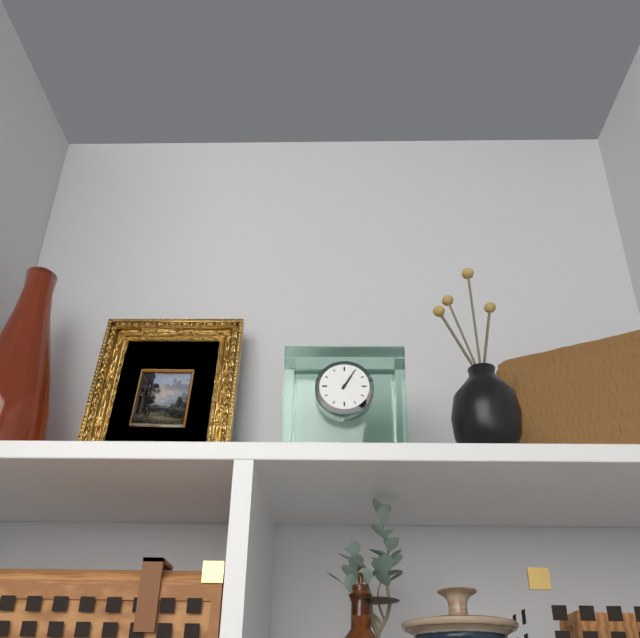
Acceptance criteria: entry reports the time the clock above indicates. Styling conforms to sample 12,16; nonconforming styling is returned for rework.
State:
1,05
